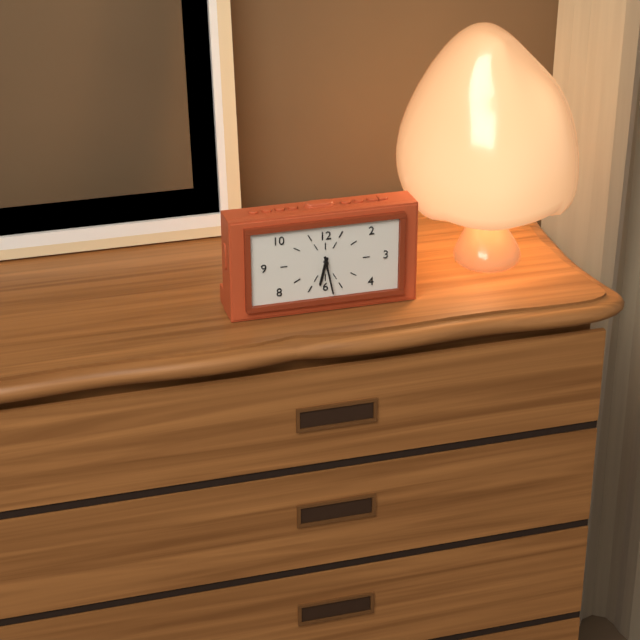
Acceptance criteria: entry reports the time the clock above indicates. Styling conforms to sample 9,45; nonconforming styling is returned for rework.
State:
6,28
